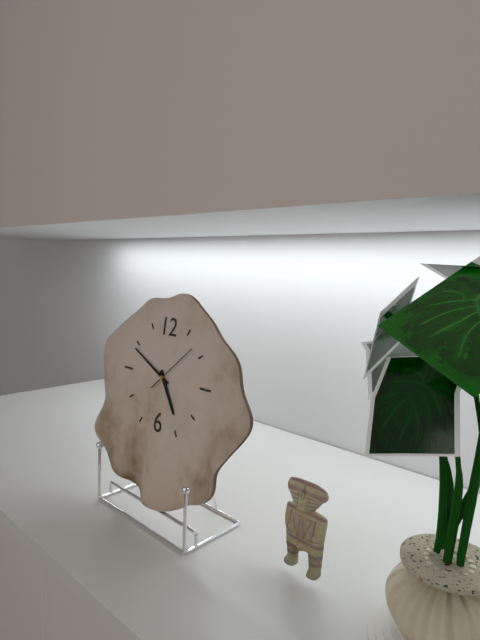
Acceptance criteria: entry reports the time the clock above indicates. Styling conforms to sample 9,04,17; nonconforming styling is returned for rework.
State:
4,49,08
